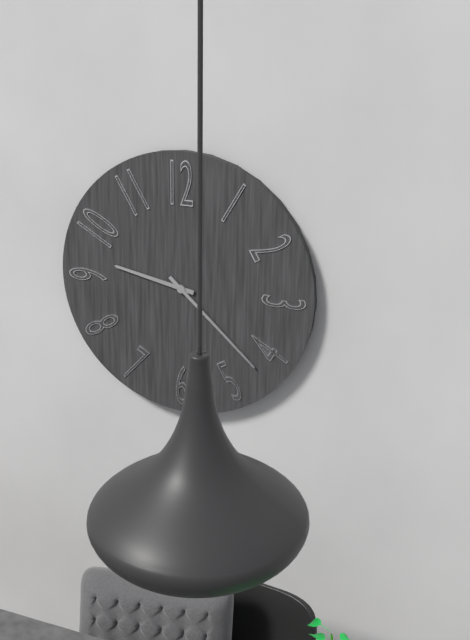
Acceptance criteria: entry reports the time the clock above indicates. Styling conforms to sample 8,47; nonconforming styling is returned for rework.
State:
9,22
